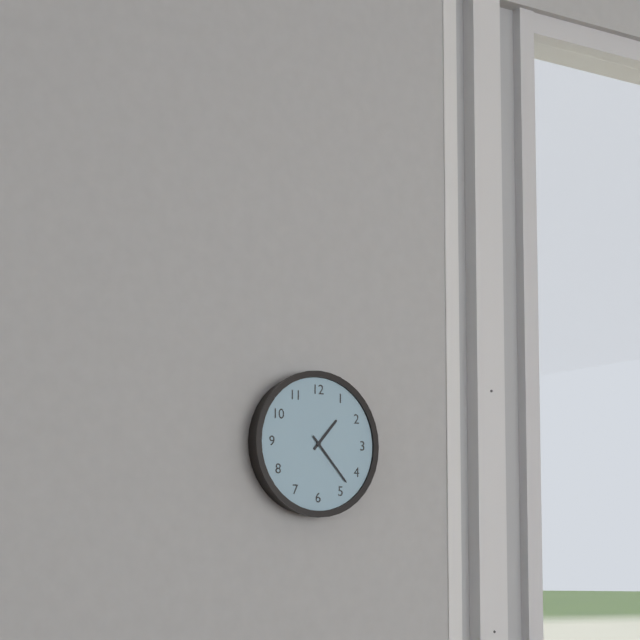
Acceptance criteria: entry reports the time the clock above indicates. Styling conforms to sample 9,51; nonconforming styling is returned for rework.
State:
1,23
